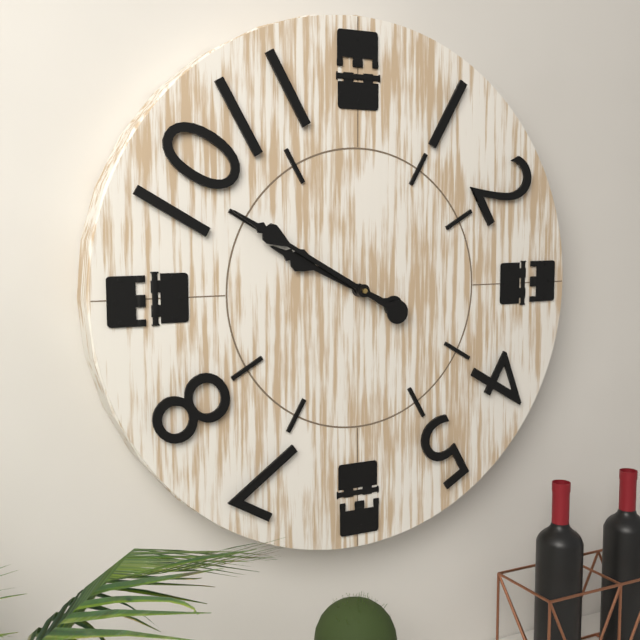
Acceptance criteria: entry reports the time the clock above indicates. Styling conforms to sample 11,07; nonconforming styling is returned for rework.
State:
9,50
